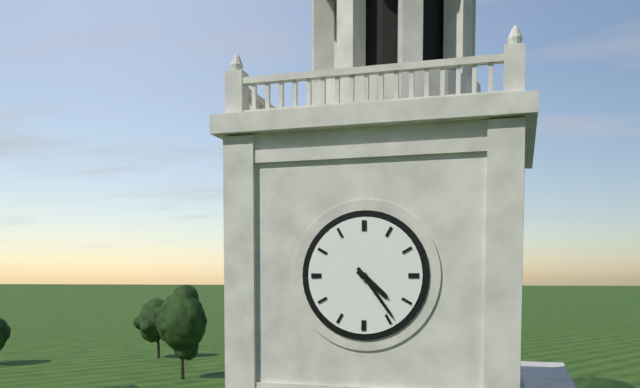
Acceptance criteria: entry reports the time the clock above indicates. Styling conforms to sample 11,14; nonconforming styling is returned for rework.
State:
4,24
